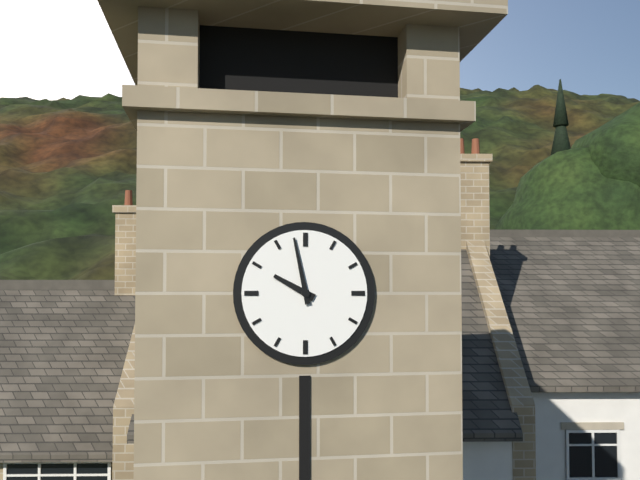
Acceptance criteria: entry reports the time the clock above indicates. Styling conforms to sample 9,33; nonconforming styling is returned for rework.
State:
9,58
